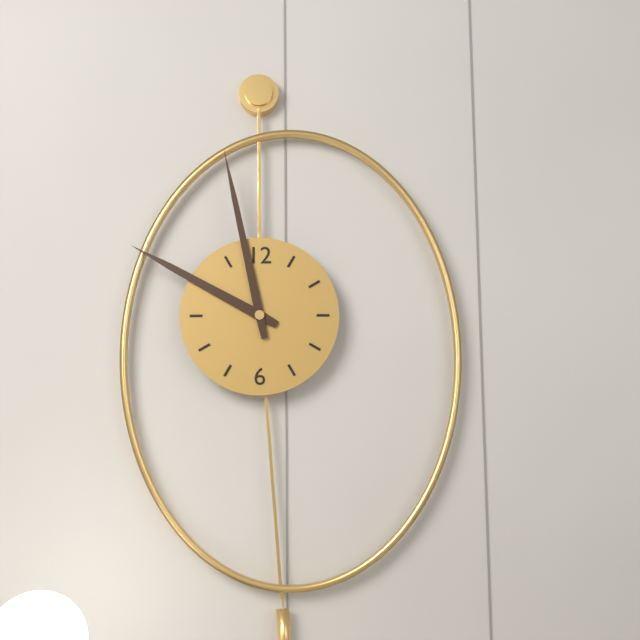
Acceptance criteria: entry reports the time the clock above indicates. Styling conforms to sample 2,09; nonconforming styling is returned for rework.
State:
9,58
